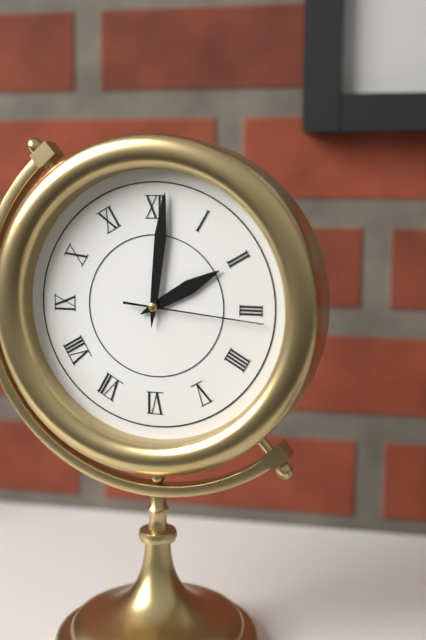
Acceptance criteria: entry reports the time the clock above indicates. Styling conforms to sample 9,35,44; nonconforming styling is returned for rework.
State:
2,01,16
